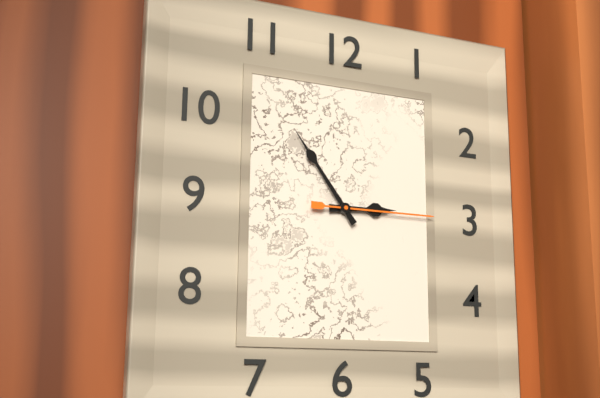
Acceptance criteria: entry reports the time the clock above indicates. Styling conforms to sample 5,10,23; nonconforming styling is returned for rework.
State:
2,54,15
